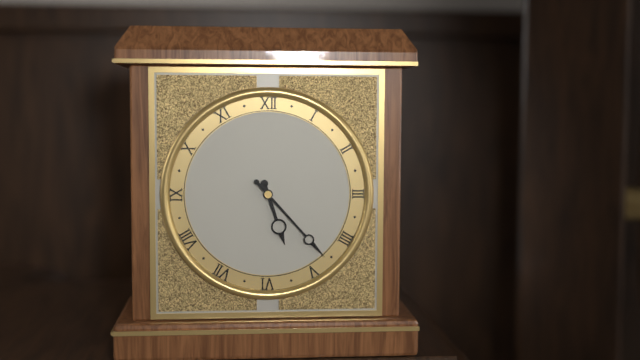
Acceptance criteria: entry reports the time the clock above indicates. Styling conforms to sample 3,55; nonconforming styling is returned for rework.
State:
5,23
